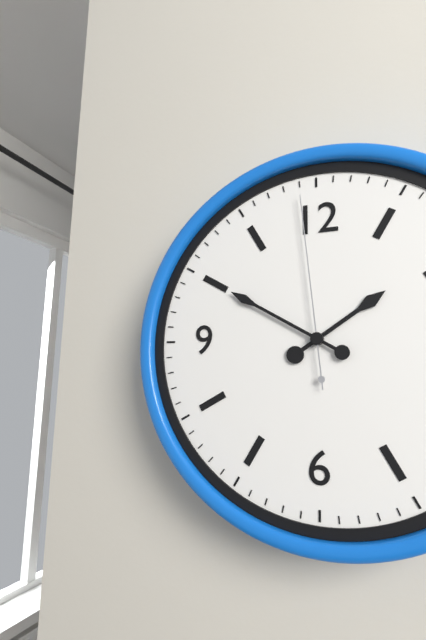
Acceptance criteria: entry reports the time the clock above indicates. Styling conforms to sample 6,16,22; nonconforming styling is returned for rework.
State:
1,50,59
